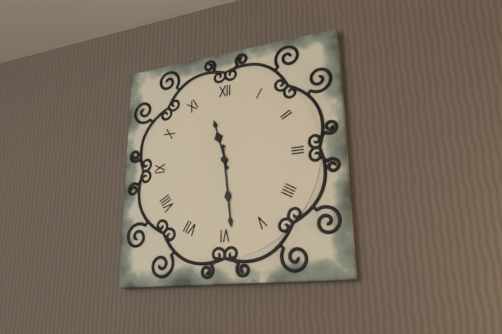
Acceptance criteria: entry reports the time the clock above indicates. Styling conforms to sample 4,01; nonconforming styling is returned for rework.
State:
11,29
